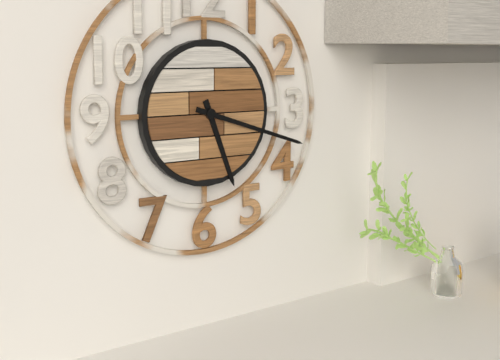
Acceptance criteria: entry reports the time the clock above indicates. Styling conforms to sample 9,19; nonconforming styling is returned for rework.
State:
5,18
